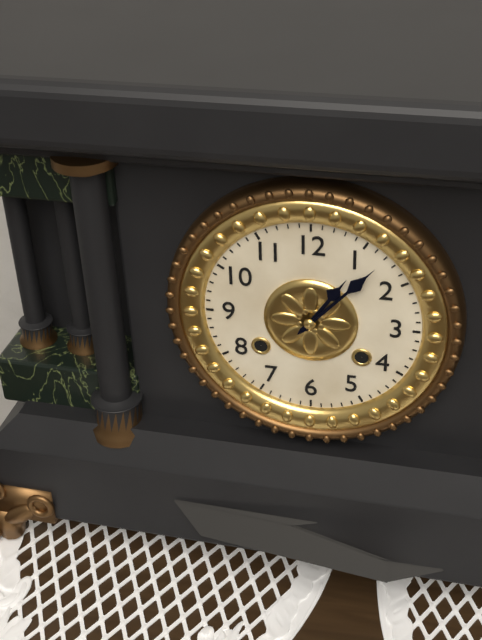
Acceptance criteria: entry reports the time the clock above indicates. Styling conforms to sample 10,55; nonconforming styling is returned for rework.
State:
1,07
